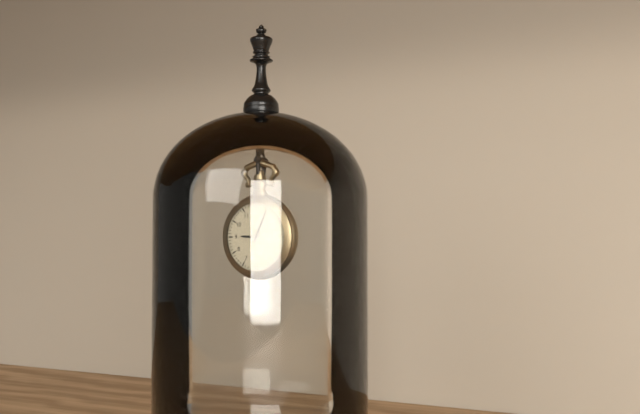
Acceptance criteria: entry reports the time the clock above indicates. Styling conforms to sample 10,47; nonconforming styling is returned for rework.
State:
9,04
